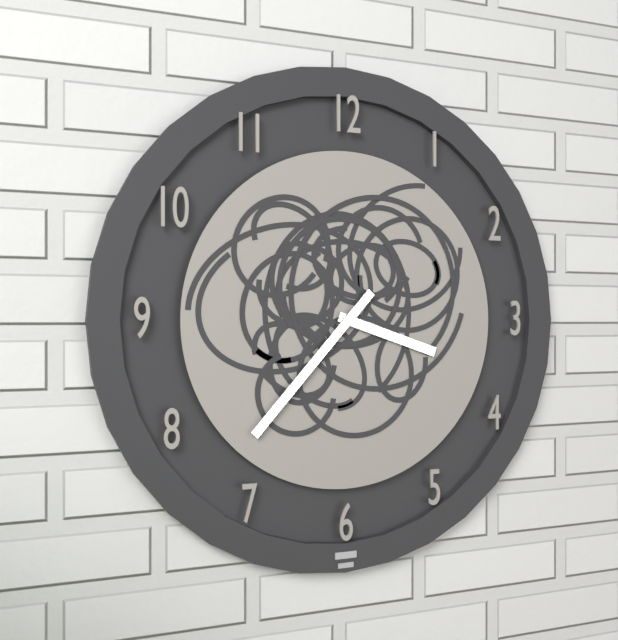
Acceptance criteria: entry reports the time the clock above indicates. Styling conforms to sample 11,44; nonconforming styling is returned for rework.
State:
3,37
